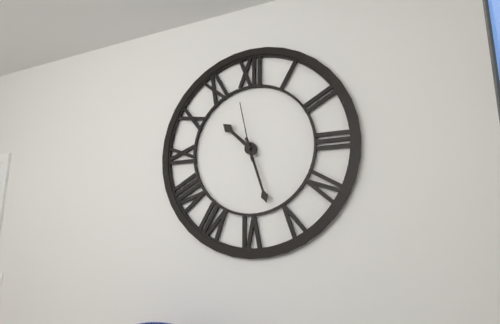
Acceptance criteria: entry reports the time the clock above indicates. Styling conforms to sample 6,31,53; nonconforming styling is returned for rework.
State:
10,27,58
